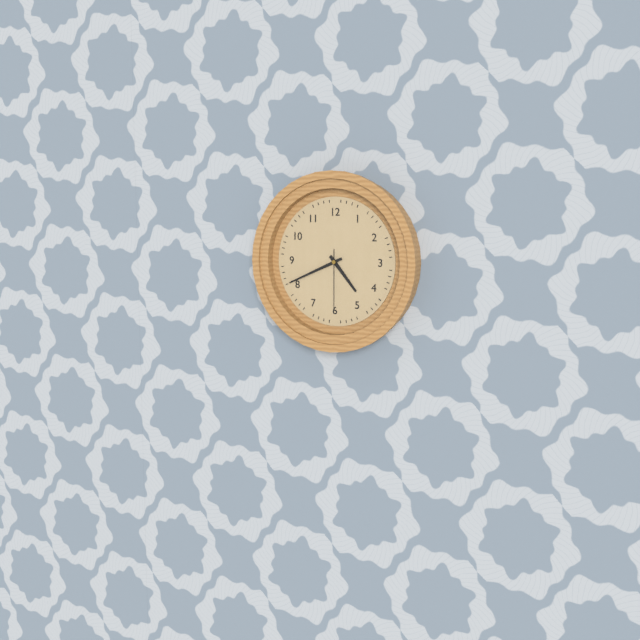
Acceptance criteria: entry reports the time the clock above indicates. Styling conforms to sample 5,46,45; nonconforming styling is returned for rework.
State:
4,41,30
